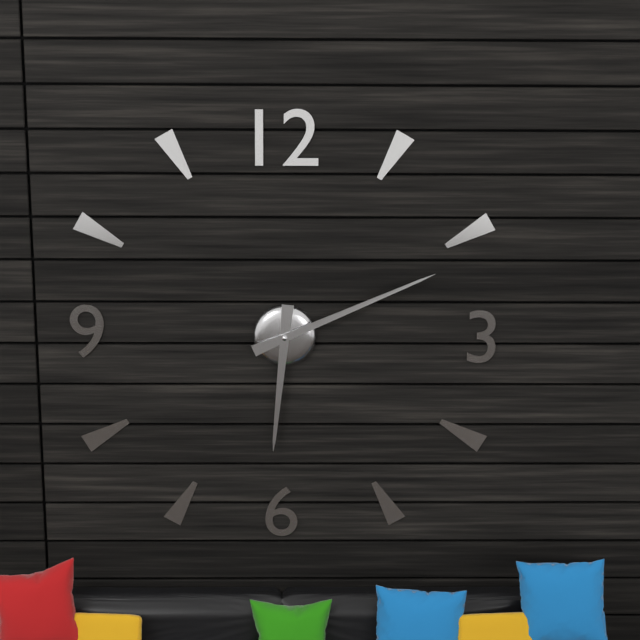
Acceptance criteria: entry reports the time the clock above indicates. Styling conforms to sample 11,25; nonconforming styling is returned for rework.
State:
6,11
